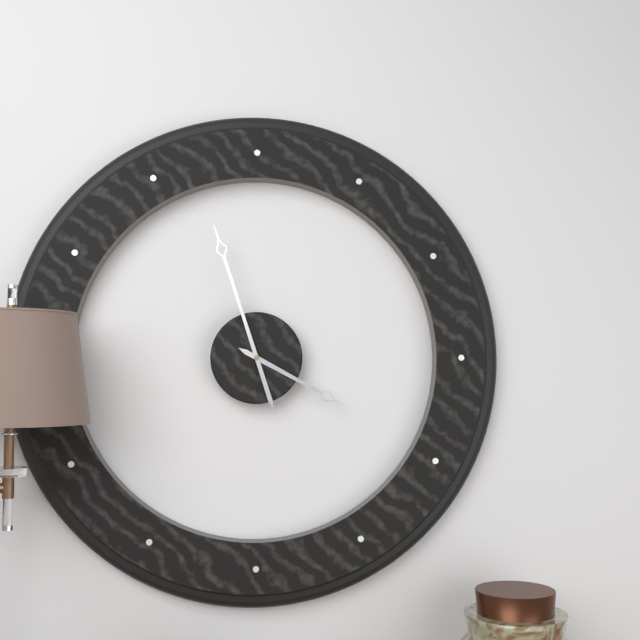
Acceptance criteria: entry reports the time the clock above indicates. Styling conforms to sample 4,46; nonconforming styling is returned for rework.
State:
3,57
